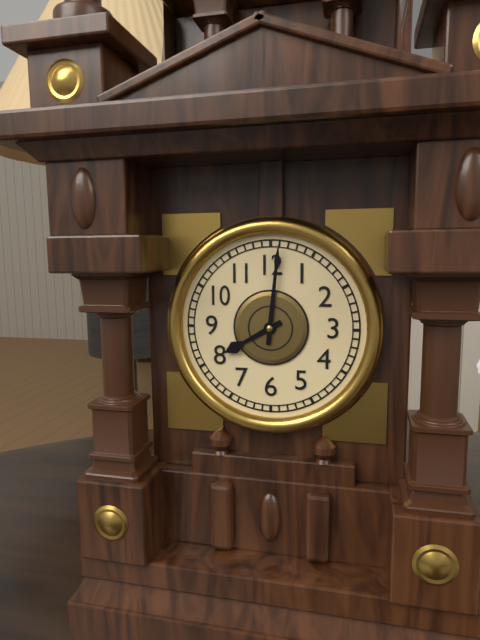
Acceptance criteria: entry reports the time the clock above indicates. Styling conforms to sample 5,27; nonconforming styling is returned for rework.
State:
8,01
